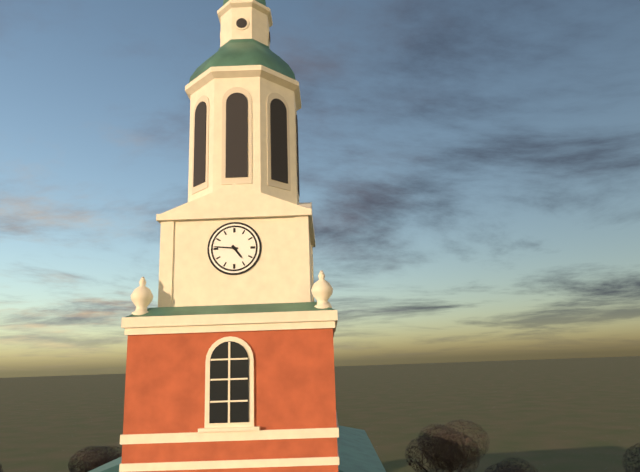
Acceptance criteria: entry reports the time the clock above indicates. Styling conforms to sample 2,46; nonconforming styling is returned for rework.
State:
4,46
